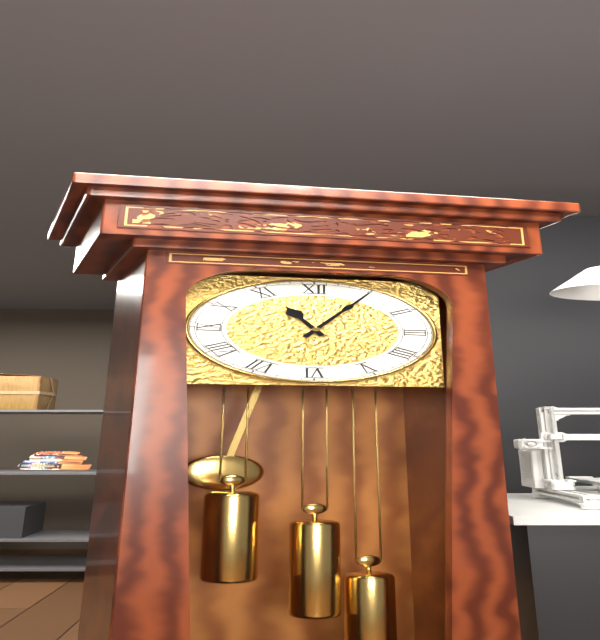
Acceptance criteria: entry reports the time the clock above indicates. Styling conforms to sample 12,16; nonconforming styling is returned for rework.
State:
11,05
